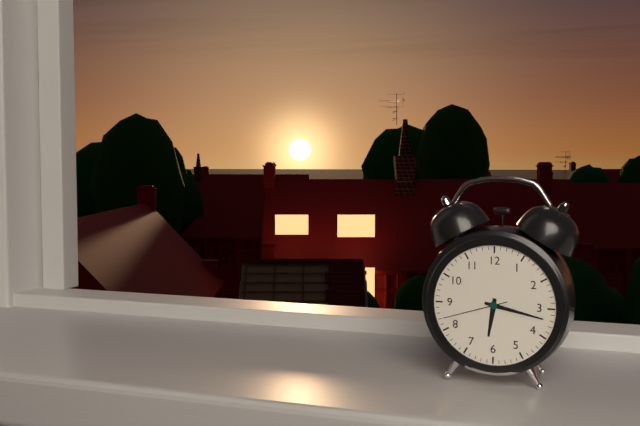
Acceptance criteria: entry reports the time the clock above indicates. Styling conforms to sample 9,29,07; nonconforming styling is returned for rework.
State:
6,17,42
